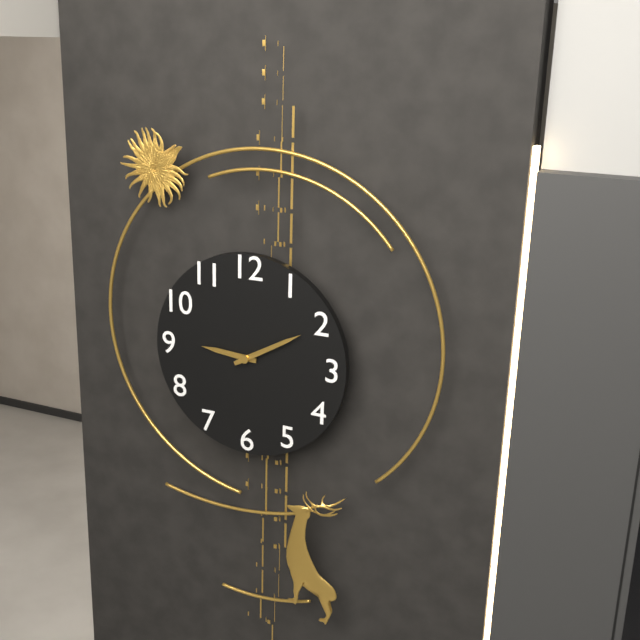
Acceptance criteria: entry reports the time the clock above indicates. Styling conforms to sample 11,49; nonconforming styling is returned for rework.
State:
9,10
